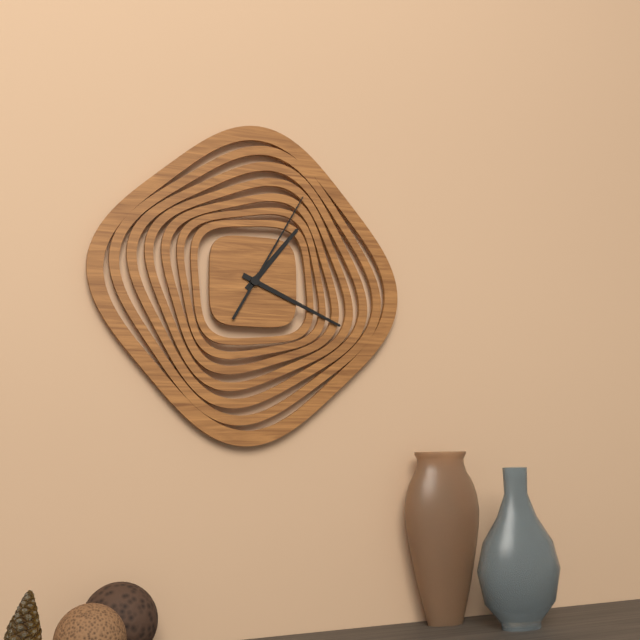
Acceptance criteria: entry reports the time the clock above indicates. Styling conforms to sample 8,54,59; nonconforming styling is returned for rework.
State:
1,19,05
